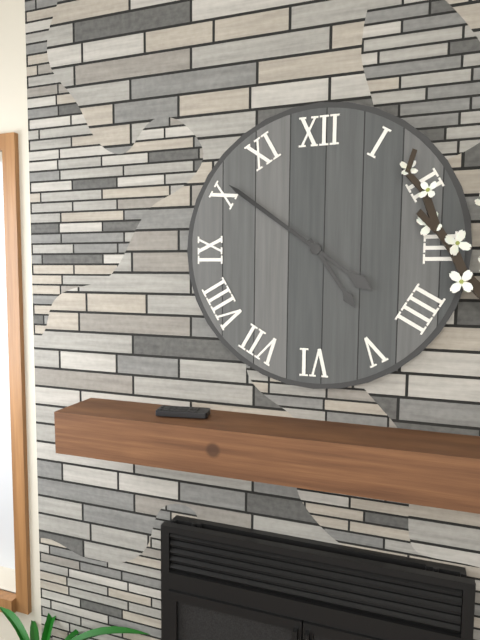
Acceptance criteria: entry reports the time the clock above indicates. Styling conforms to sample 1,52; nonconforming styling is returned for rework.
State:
4,51
